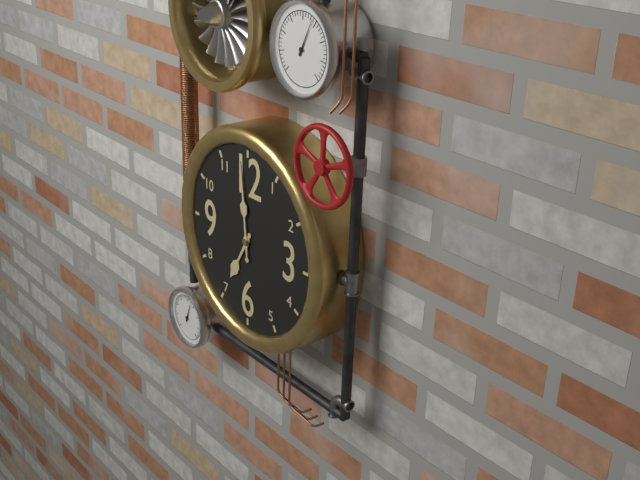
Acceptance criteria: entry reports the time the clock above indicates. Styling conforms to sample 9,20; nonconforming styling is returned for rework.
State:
6,59
